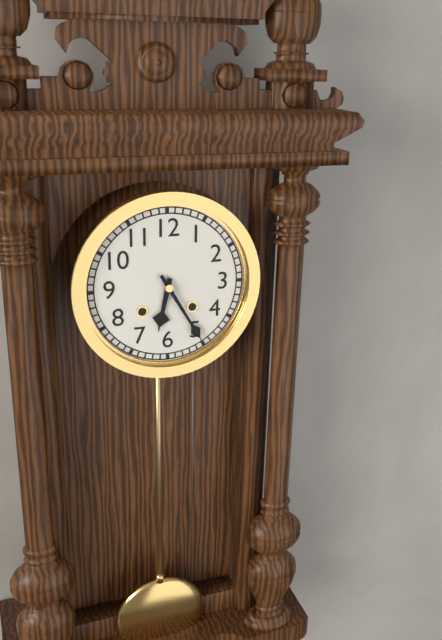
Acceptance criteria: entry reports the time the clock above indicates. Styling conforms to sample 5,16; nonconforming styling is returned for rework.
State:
6,25
